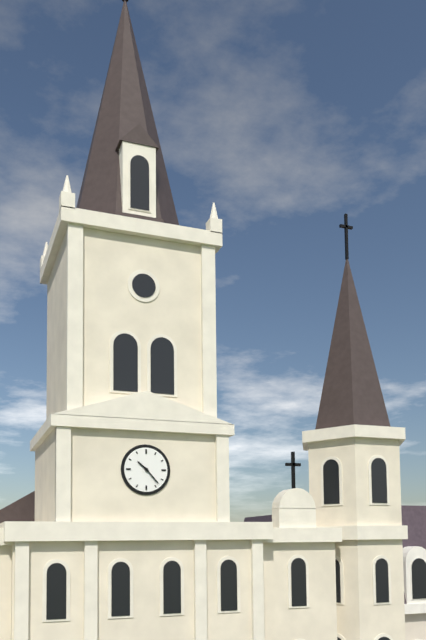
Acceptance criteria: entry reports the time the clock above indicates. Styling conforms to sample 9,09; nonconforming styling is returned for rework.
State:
10,23
